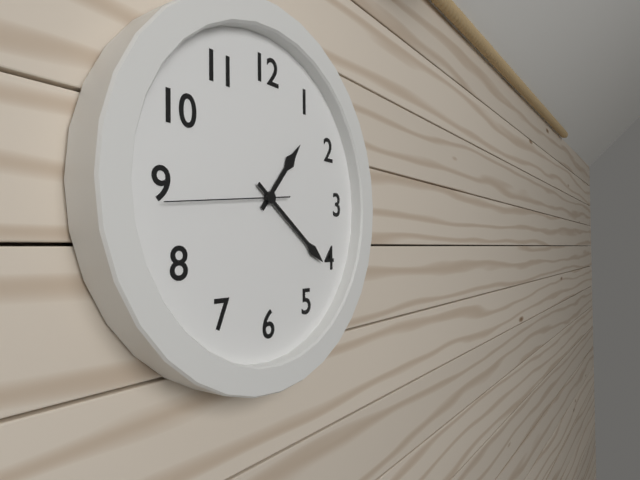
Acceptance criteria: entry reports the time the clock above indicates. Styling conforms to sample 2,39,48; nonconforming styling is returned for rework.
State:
1,21,44
